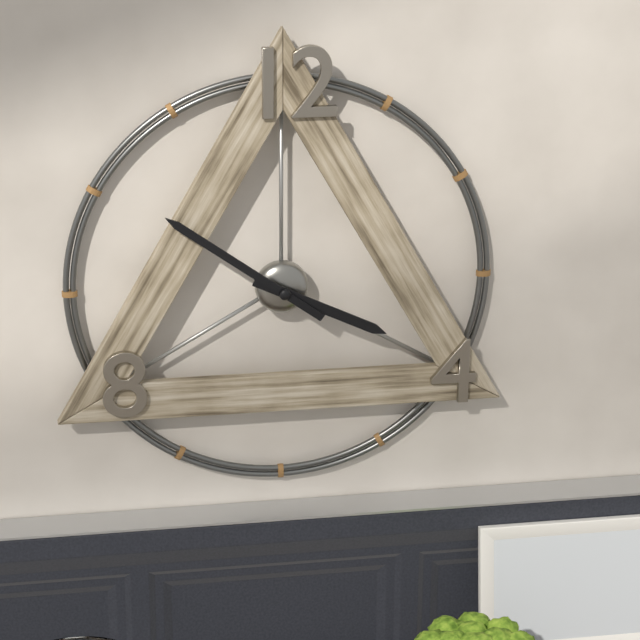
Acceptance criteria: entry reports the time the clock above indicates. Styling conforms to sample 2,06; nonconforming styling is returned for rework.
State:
3,51
